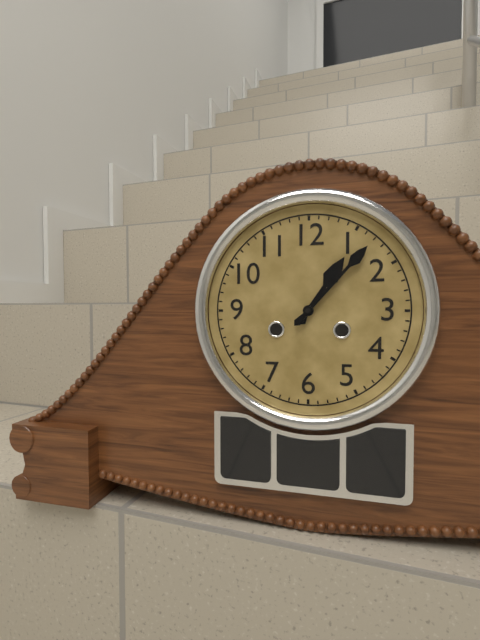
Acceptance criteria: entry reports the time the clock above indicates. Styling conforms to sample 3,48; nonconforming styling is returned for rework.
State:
1,07
